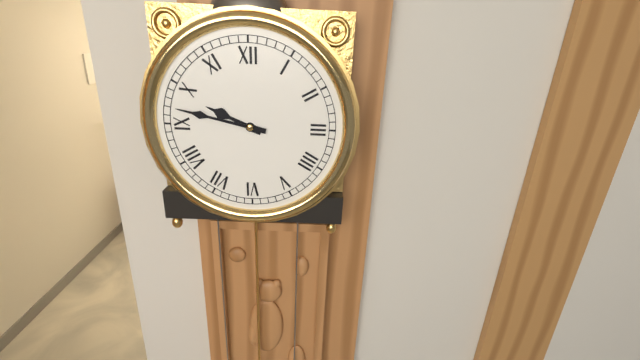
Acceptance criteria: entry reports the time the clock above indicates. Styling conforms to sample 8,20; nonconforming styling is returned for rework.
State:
9,47
